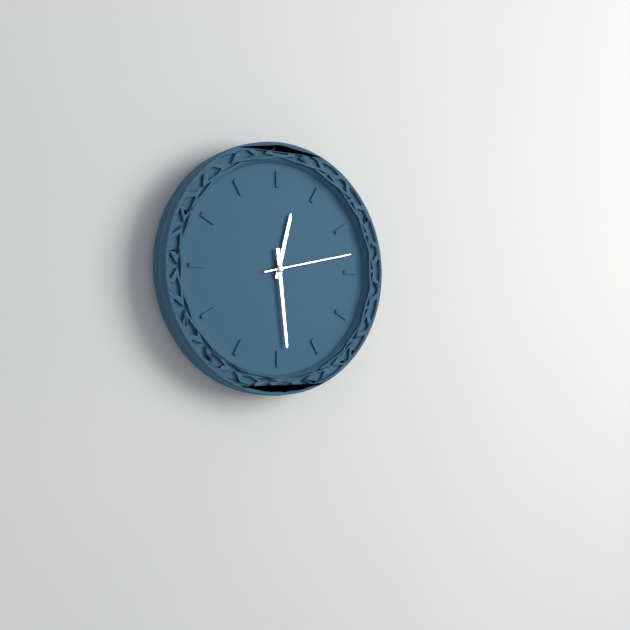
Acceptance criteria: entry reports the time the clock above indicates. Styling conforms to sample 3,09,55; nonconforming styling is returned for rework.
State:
12,29,13
